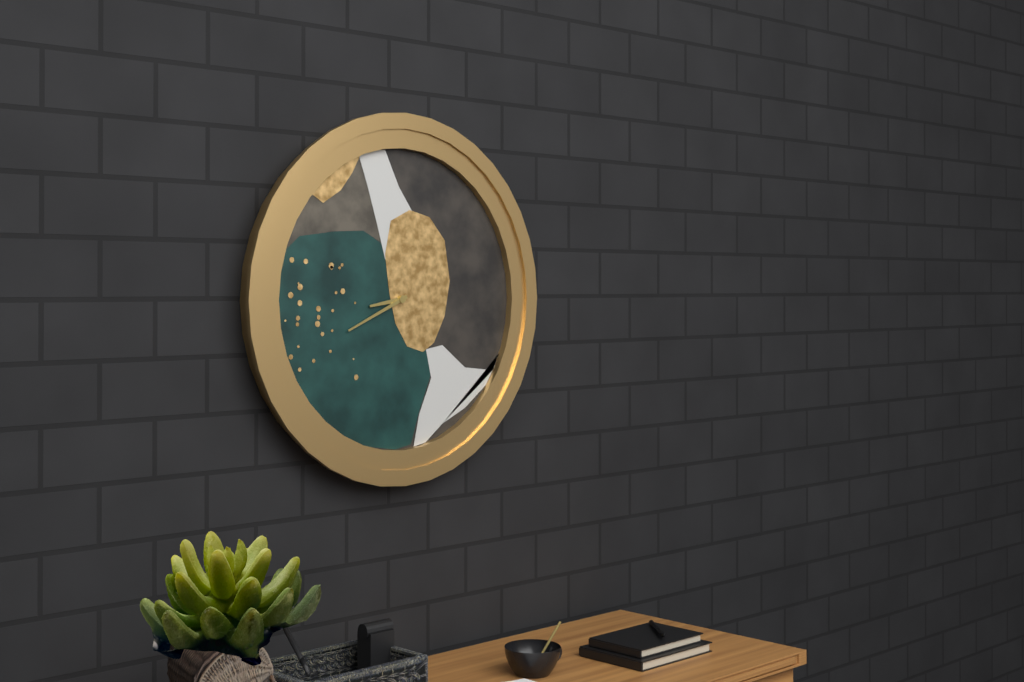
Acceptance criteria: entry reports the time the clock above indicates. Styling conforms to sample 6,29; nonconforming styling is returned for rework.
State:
8,41
